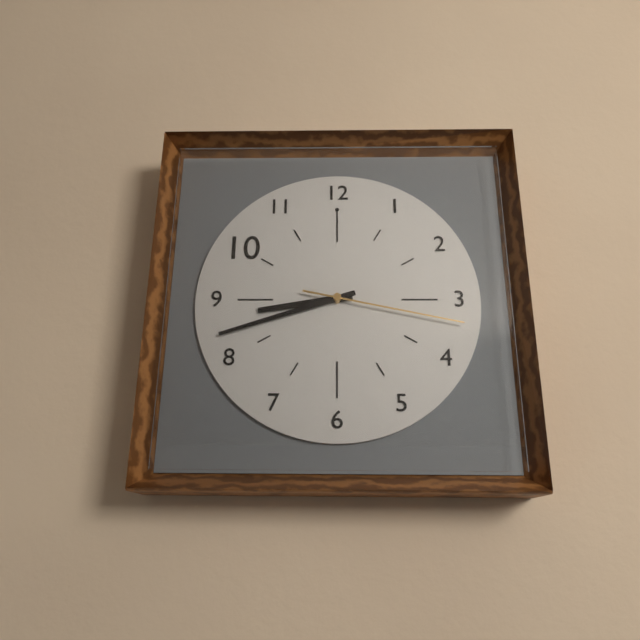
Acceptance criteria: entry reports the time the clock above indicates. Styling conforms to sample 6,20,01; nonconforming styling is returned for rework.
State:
8,42,17
